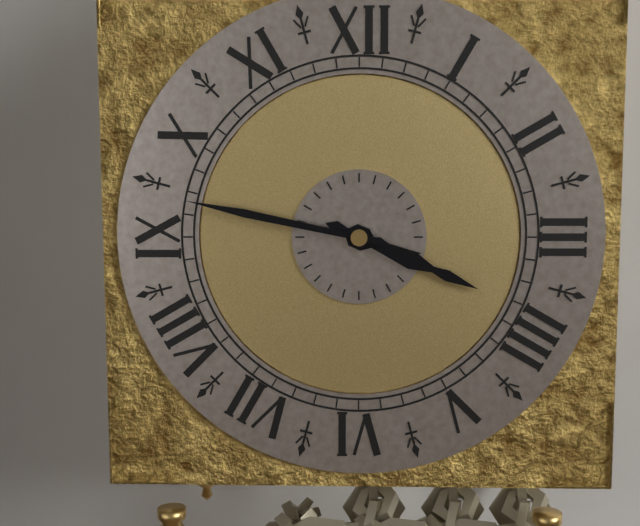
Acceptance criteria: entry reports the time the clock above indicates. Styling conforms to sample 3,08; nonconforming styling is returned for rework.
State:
3,47
